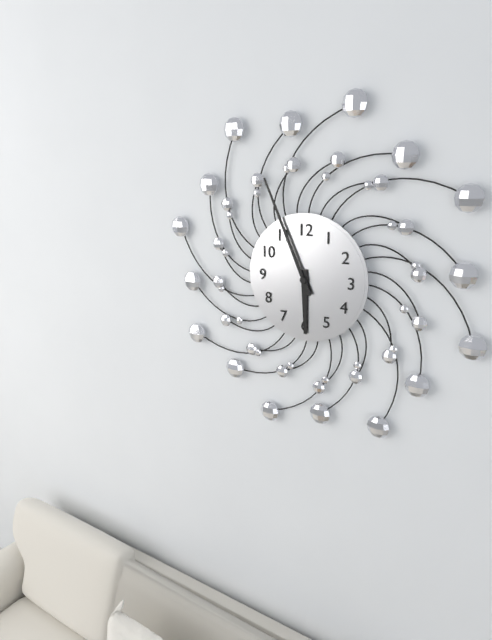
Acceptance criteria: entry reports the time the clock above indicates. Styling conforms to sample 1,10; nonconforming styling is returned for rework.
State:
5,56
